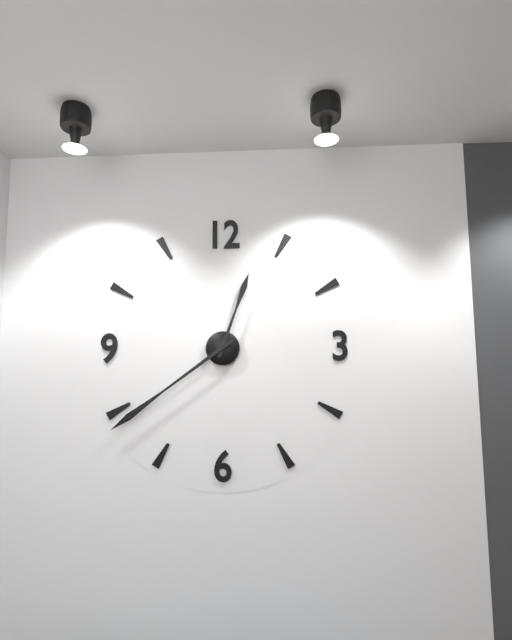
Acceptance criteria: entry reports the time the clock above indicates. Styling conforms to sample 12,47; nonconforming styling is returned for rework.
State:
12,39
